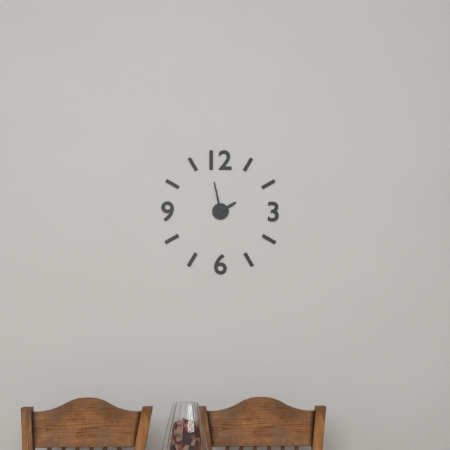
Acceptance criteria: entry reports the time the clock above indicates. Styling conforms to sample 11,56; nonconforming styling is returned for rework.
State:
1,58
